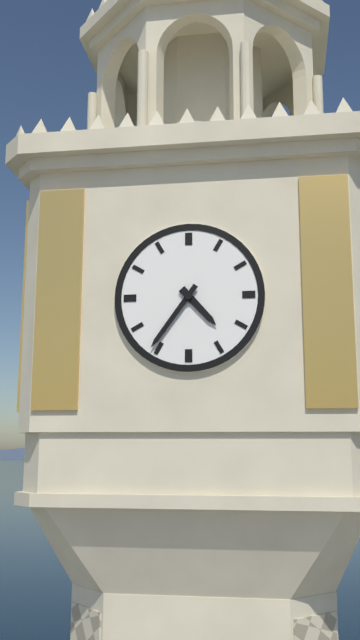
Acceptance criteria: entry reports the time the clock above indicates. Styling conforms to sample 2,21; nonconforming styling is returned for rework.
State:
4,36
